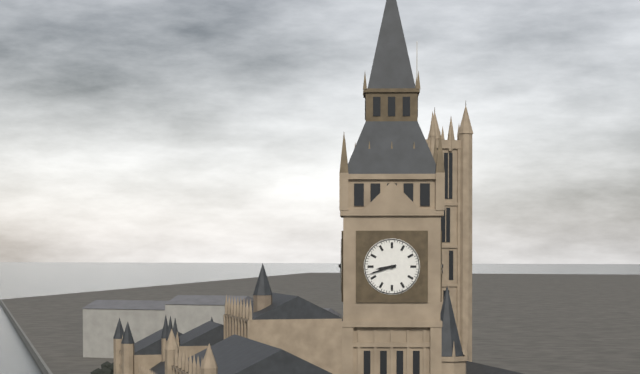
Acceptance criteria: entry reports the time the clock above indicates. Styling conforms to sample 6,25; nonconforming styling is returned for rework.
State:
8,42
